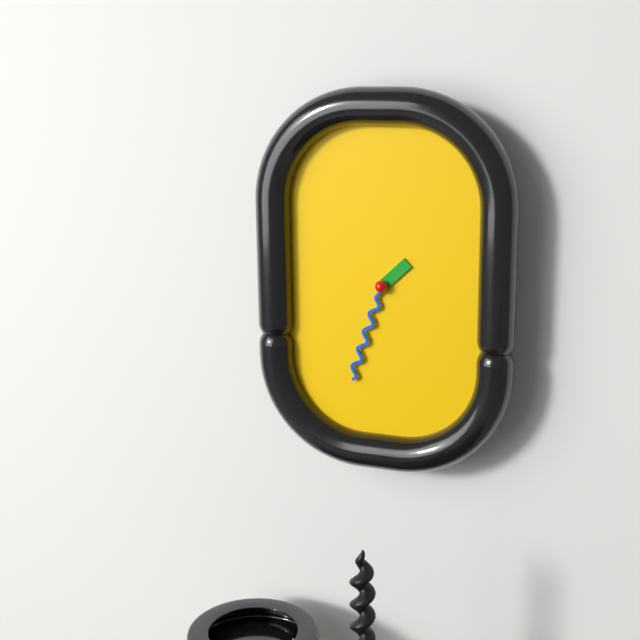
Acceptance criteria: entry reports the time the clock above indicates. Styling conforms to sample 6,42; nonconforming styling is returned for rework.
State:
1,33
